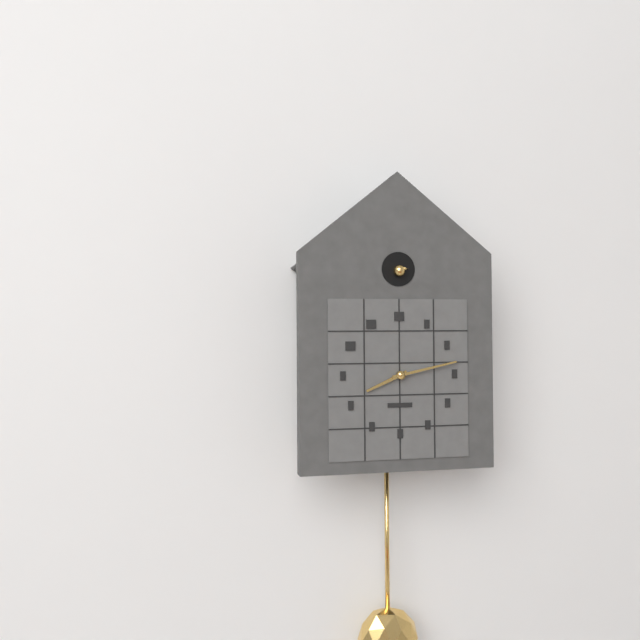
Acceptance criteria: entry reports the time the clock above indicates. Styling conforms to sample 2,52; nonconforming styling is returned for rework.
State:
8,13
